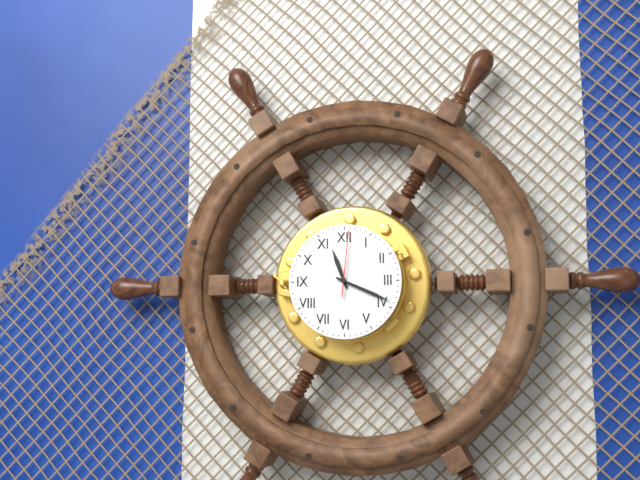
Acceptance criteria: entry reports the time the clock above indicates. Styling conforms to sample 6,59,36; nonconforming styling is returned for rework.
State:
11,19,01
